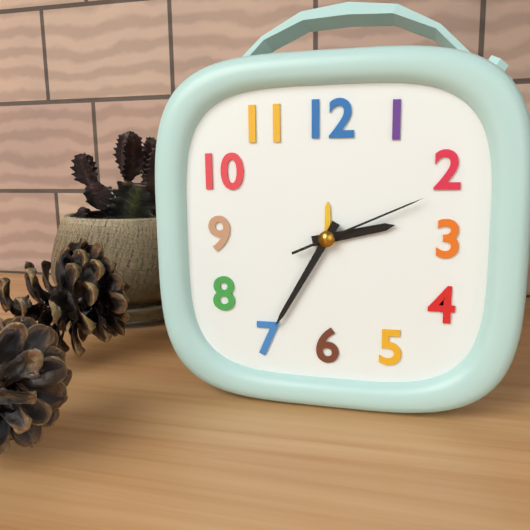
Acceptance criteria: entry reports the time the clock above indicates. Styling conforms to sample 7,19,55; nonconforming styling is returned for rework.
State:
2,35,11
